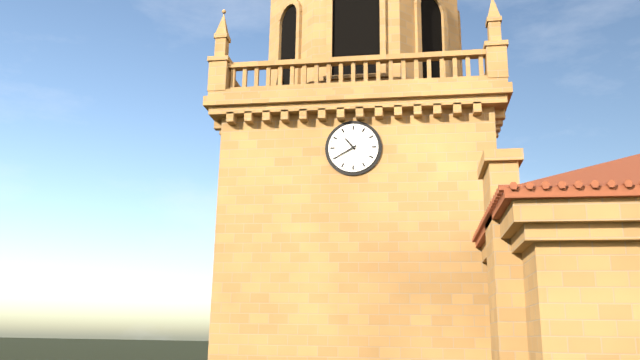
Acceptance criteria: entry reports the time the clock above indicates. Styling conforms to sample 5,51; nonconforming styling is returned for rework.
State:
10,40
